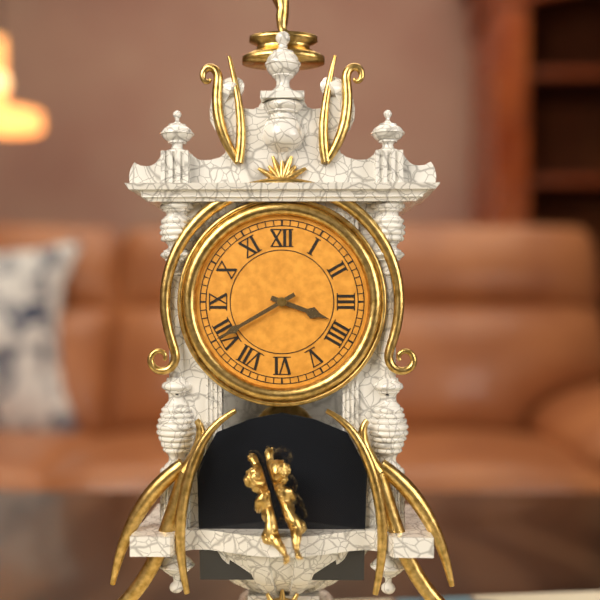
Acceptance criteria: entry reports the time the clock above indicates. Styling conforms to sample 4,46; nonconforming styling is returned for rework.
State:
3,40
